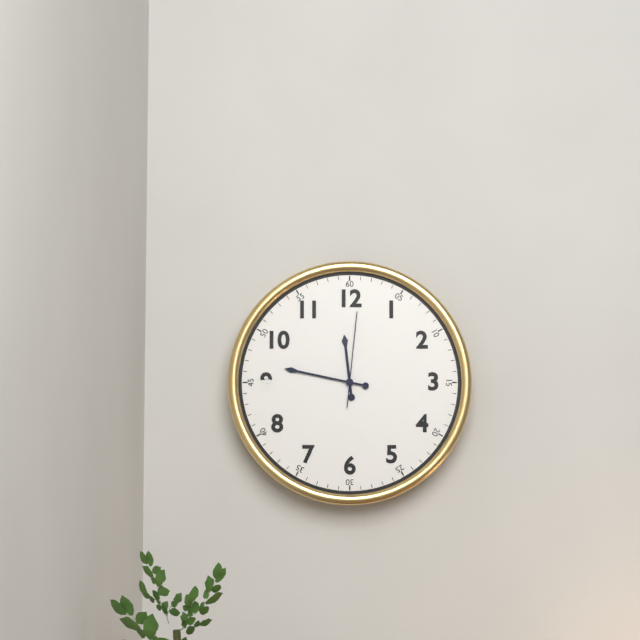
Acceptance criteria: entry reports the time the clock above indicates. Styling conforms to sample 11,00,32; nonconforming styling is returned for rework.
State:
11,47,01
